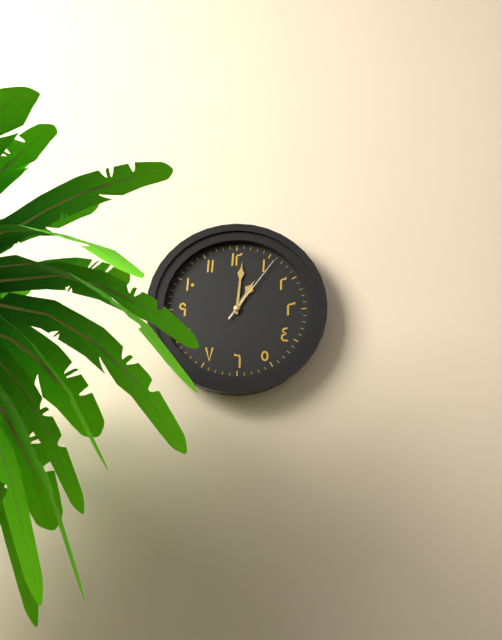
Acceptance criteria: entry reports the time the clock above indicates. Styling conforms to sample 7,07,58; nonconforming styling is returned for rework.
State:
1,01,06
